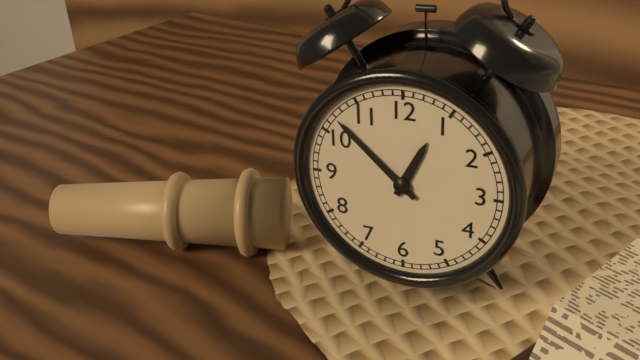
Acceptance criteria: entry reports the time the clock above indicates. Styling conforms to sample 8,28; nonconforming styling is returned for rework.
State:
12,52
